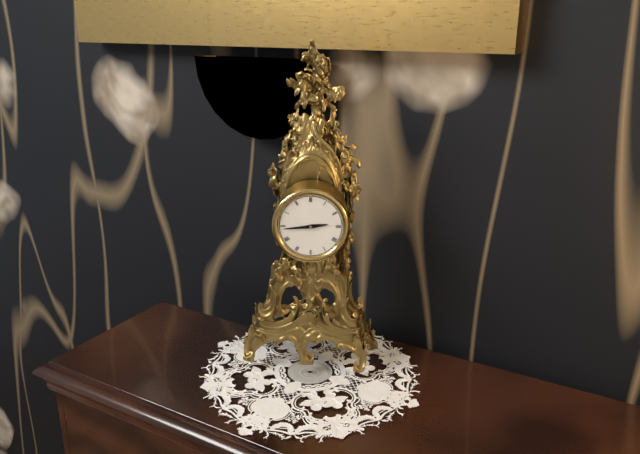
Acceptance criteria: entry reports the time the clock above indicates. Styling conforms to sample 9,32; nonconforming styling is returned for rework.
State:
2,44
